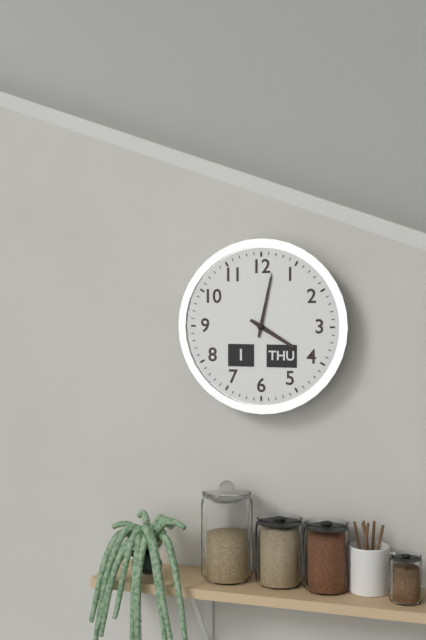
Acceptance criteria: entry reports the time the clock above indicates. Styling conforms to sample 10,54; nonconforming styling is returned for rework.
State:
4,02
